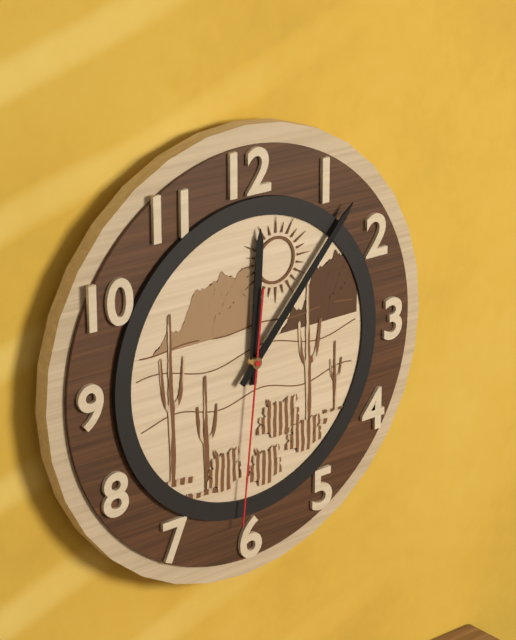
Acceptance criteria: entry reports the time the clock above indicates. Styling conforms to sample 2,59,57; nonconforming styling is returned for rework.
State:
12,07,31
